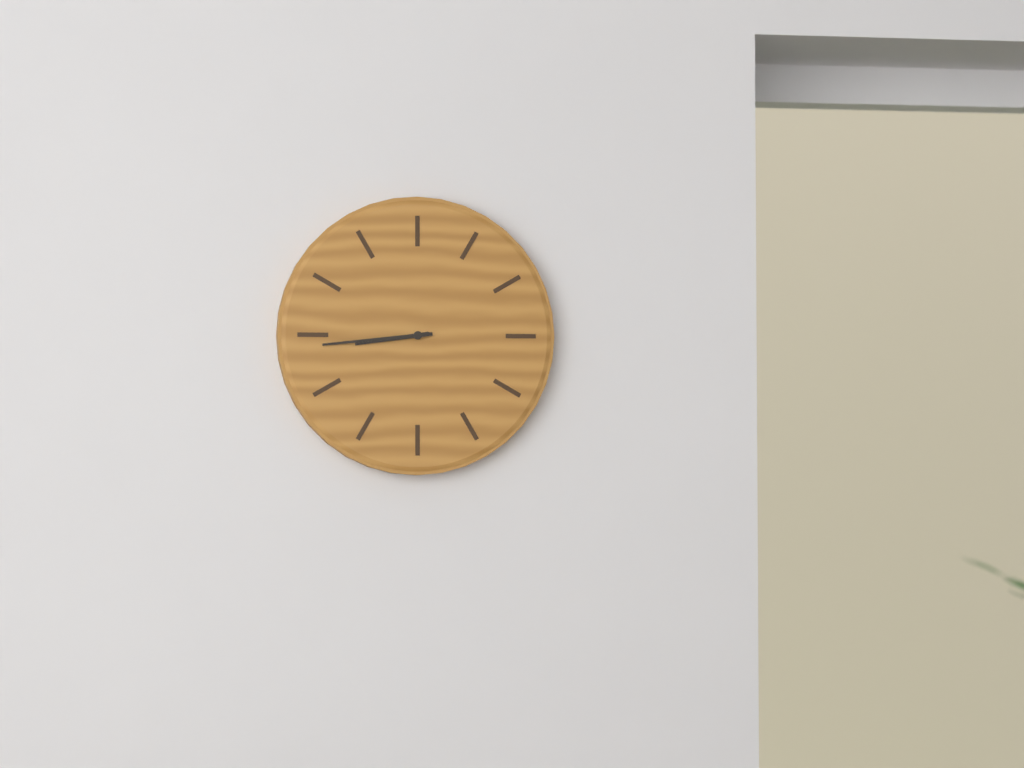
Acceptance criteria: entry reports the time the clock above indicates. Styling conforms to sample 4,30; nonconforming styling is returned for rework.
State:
8,44
